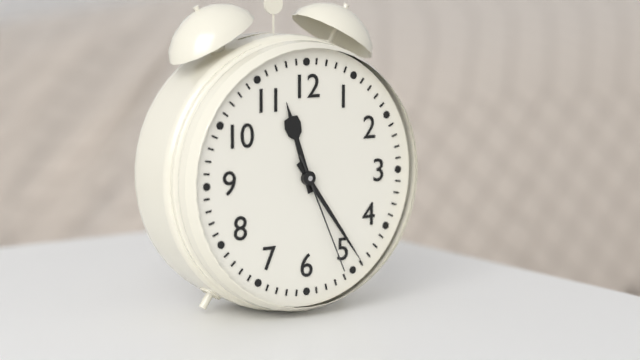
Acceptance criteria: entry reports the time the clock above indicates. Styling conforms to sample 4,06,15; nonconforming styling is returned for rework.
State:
11,24,26
